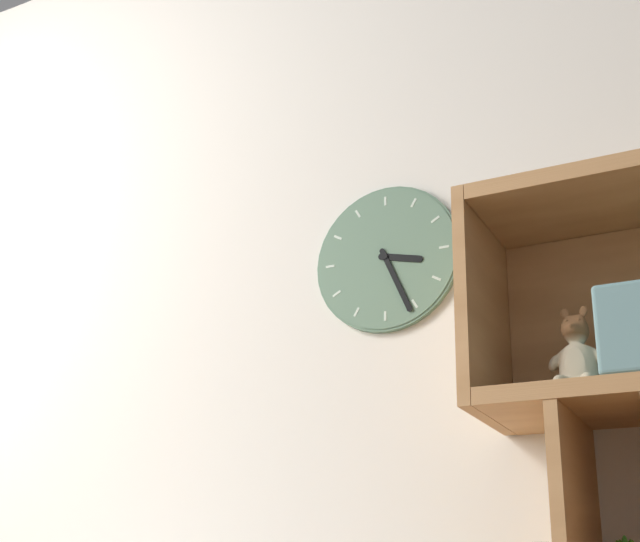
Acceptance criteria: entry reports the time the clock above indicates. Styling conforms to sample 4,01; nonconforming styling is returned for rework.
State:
3,26
